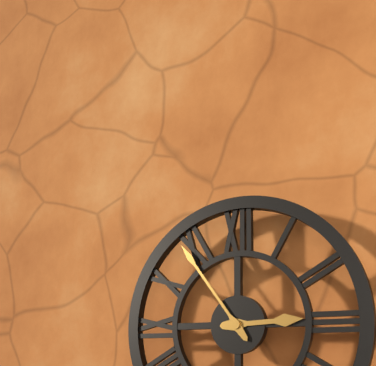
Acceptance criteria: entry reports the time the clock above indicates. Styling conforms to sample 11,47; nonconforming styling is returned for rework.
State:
2,54
